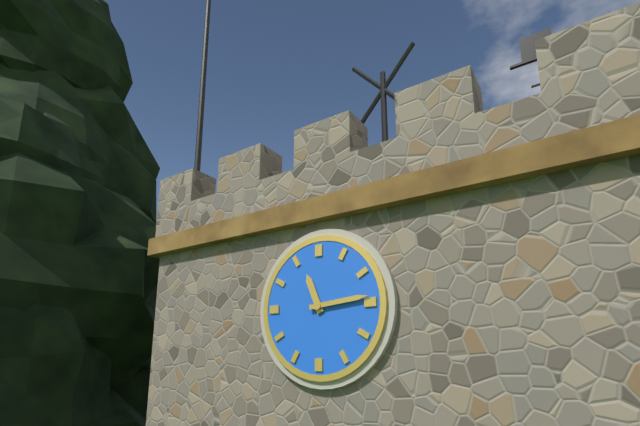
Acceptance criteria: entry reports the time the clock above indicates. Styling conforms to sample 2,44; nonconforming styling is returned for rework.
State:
11,14
